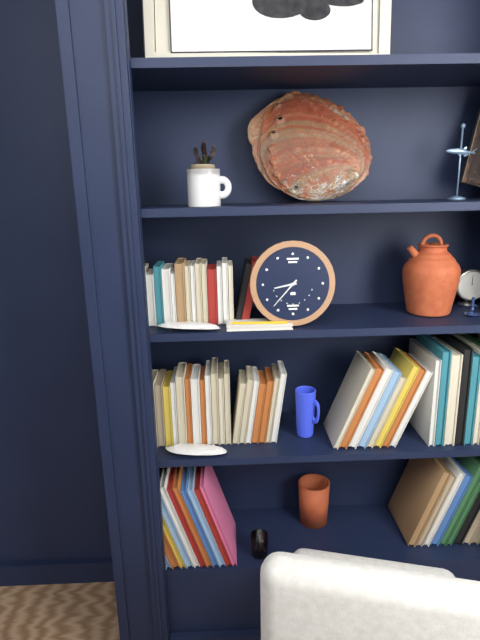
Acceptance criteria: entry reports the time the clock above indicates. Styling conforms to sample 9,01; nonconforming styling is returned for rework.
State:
8,37
